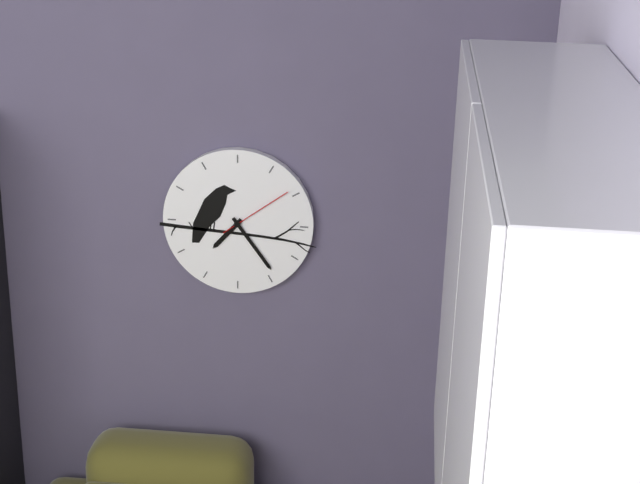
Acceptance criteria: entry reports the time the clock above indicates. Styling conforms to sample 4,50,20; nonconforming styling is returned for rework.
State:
7,24,09
